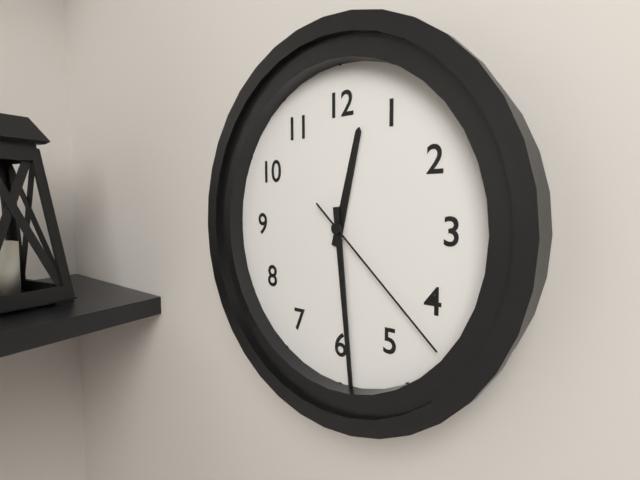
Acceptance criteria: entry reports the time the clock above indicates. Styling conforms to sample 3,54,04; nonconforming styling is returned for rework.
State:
12,29,22
